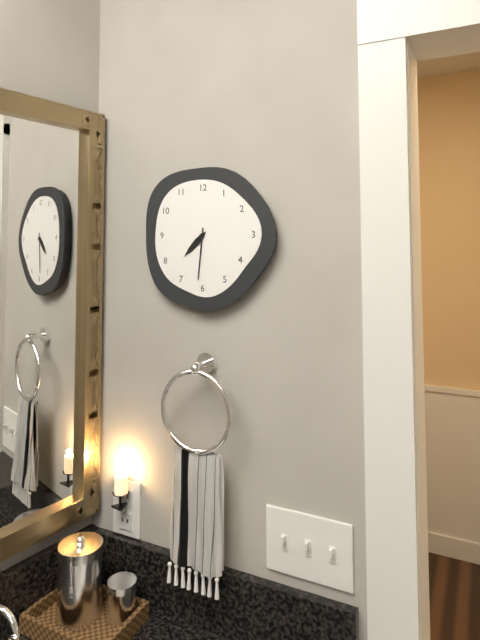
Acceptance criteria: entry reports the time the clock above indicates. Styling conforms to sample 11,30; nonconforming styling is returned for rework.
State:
7,31
